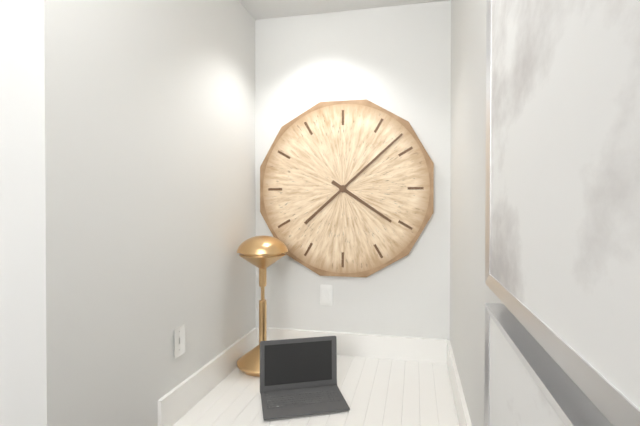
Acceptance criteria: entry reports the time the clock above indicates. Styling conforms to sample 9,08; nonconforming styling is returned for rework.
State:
4,08
